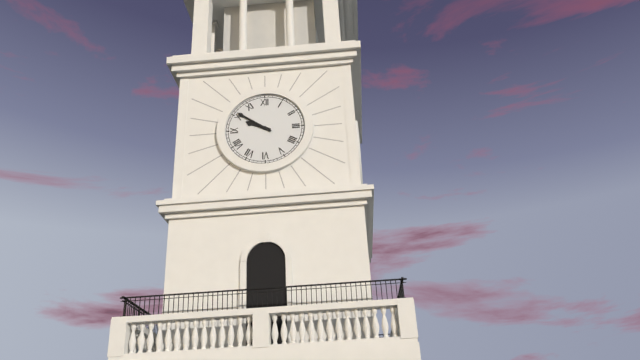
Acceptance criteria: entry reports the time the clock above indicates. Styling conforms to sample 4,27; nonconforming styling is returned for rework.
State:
9,51
